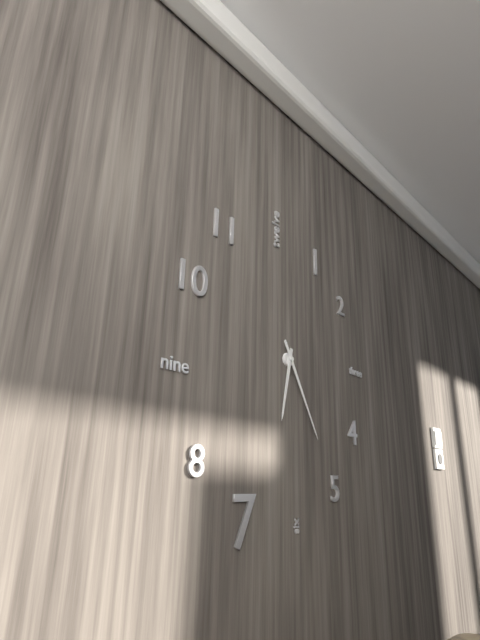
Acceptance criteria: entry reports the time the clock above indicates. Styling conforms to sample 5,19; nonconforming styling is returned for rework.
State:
6,25
